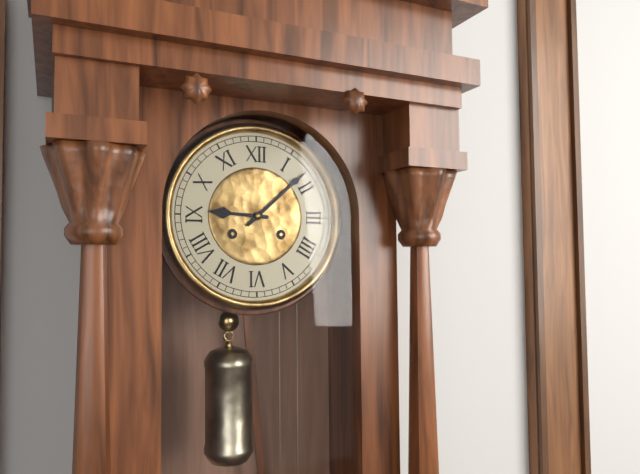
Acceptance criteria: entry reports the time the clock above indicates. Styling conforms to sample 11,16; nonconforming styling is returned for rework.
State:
9,08
